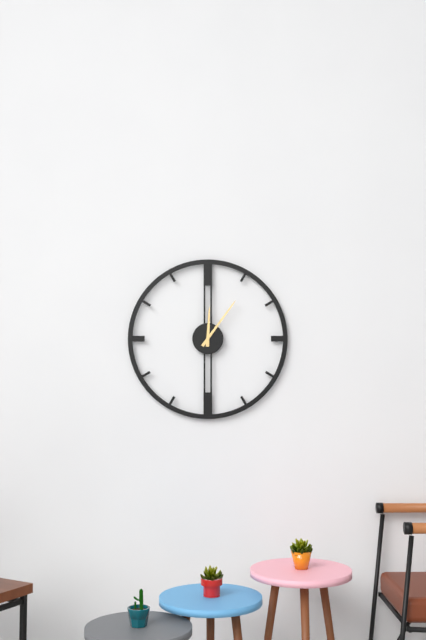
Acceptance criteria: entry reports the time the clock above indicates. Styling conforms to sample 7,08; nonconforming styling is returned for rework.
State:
12,06
